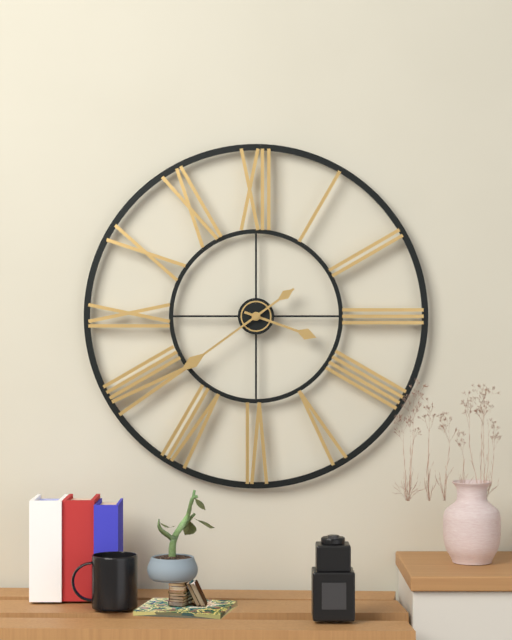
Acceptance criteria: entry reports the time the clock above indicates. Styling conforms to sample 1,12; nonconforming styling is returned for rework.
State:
3,39
